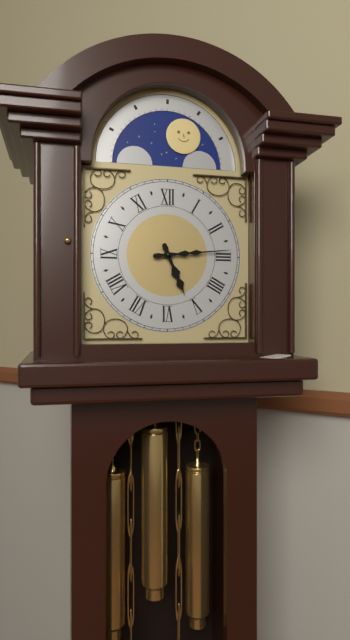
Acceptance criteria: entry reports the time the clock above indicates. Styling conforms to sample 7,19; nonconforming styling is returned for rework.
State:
5,14
